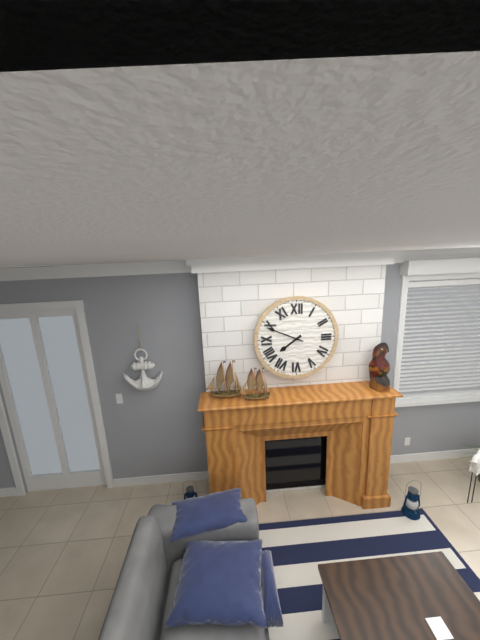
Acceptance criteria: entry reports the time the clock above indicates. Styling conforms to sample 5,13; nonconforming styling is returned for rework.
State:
7,49
